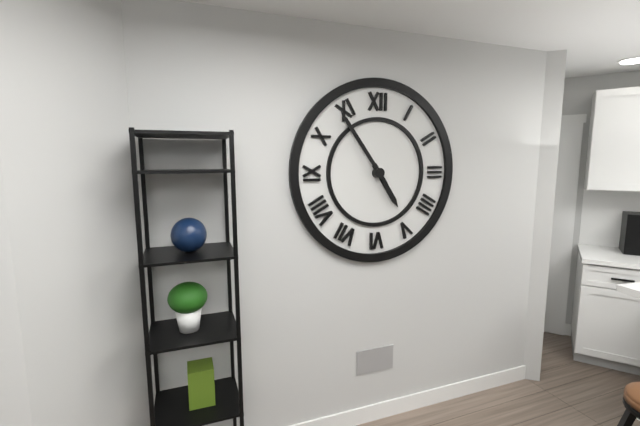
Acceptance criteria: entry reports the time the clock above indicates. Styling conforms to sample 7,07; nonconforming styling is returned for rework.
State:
4,54
